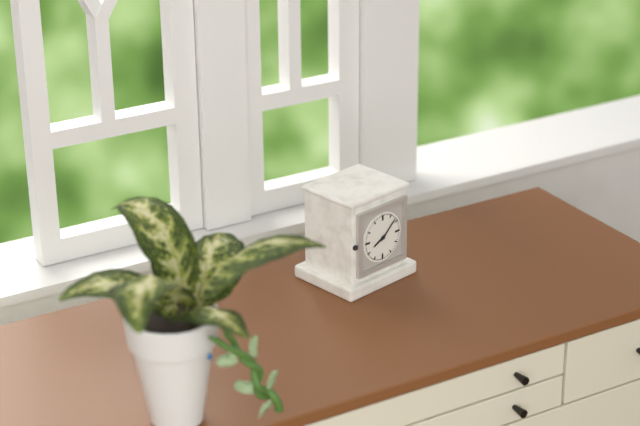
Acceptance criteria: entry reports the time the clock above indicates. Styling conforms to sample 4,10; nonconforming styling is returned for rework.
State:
8,08
